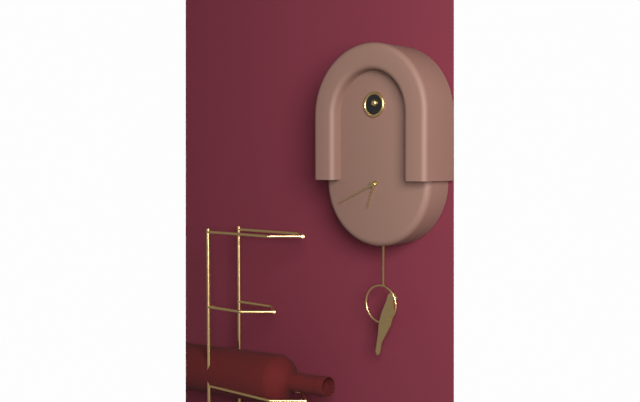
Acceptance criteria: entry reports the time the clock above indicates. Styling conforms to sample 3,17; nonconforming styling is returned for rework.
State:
6,41
